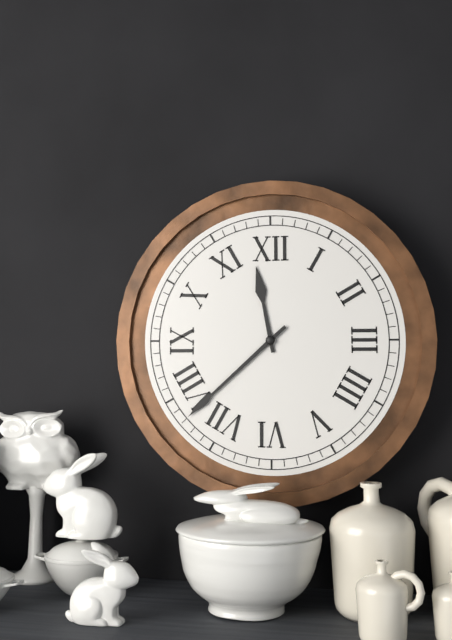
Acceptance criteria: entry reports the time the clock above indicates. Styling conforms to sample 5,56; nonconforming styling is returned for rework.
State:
11,38
